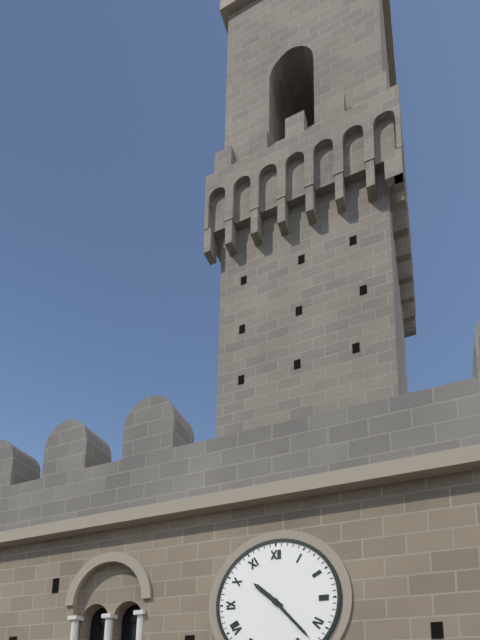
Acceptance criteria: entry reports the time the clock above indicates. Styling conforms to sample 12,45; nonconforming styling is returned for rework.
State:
10,23
